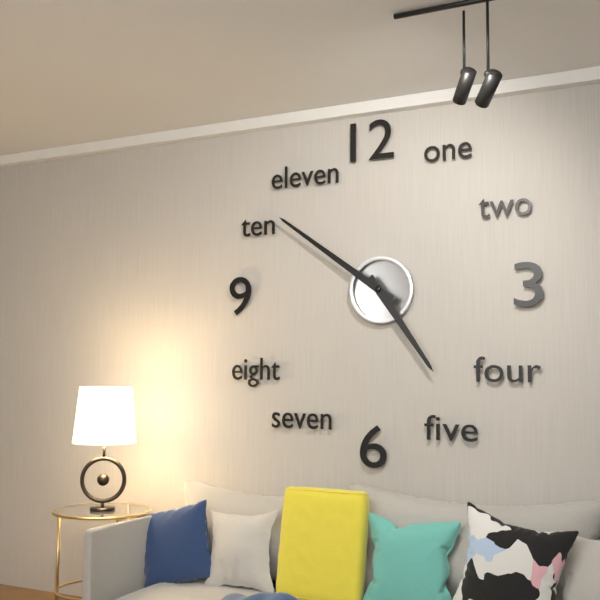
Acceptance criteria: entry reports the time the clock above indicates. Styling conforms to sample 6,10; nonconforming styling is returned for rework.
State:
4,51
